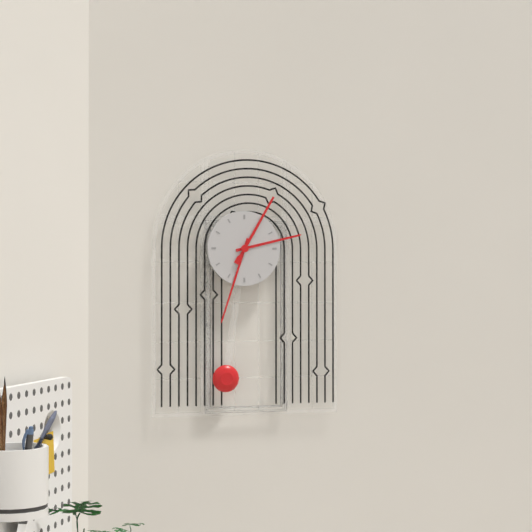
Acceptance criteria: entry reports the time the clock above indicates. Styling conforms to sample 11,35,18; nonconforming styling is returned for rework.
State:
2,33,05
